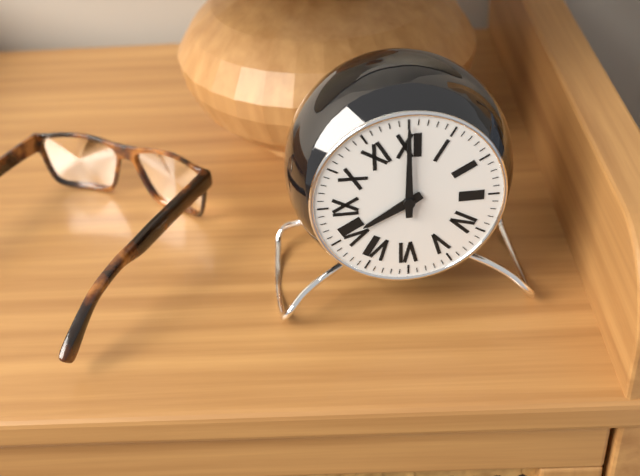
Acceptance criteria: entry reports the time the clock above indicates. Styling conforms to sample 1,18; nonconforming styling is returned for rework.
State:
8,00
